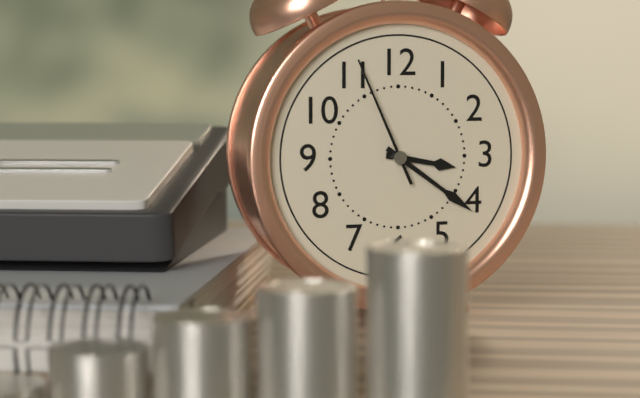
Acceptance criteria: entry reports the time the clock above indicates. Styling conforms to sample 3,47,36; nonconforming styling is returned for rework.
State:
3,21,56
